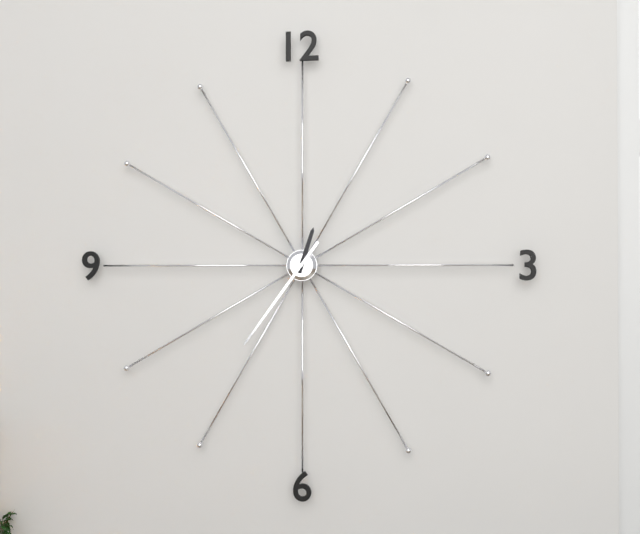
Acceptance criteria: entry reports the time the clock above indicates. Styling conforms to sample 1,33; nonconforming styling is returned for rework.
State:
12,36
